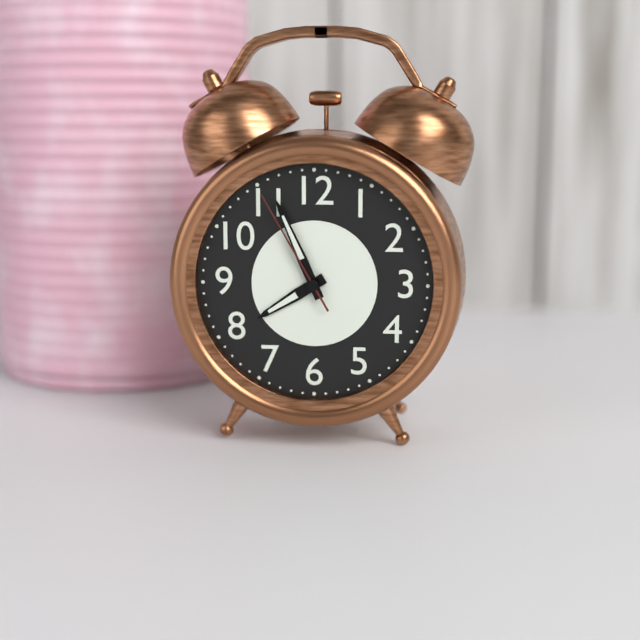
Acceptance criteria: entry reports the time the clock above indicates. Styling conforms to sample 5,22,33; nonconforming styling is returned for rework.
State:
7,56,55
